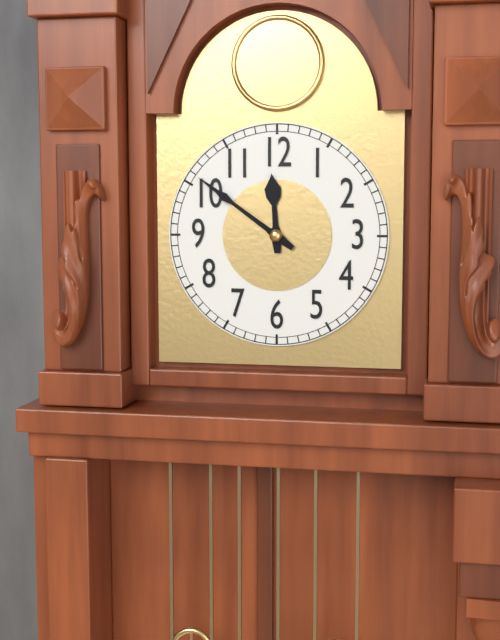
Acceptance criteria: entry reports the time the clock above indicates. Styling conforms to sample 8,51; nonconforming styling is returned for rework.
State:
11,51
